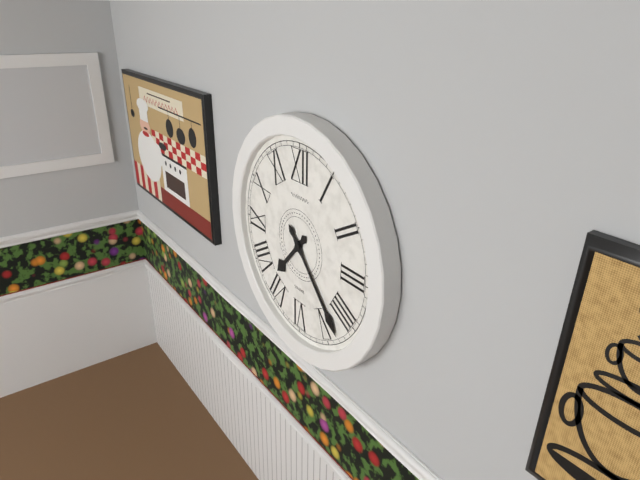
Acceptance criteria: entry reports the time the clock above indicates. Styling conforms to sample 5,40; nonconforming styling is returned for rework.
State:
7,23
